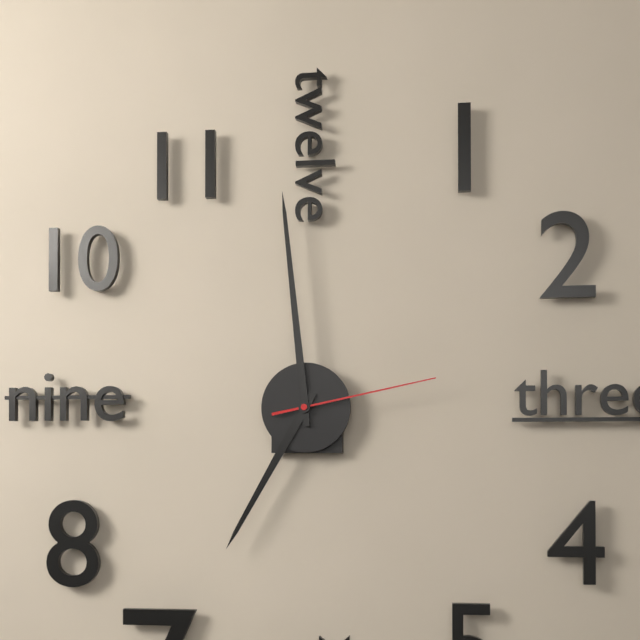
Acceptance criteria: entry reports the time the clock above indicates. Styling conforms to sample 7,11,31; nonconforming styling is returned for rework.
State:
6,59,13
